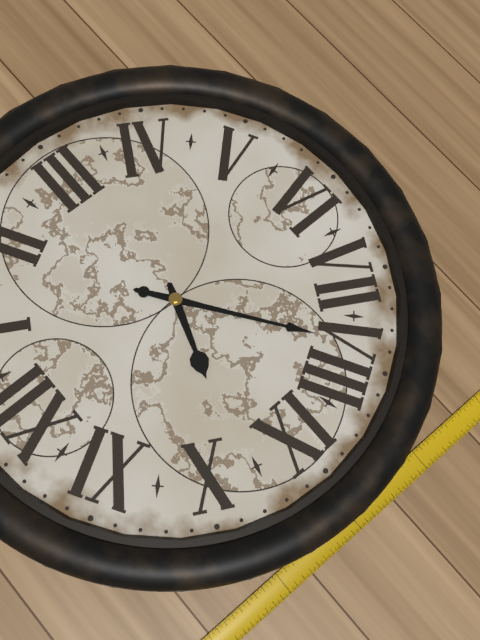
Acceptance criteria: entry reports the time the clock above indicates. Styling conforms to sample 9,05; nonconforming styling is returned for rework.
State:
9,39
